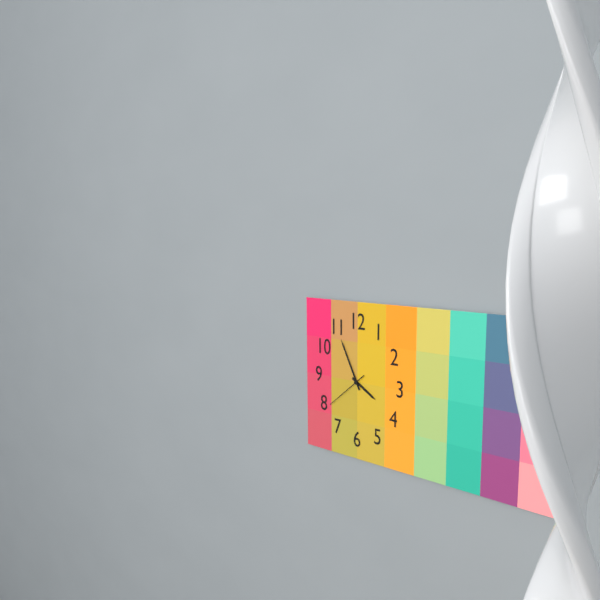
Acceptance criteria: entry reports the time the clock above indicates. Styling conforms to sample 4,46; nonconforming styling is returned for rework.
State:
3,55
